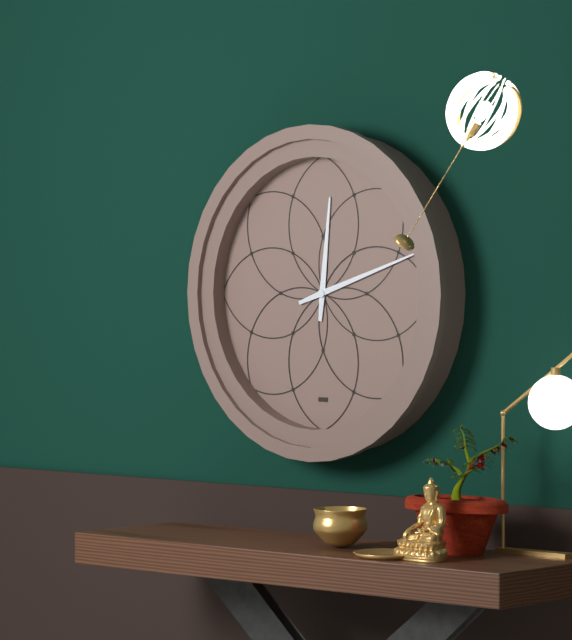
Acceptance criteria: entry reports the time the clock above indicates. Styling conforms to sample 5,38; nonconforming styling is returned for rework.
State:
12,12
